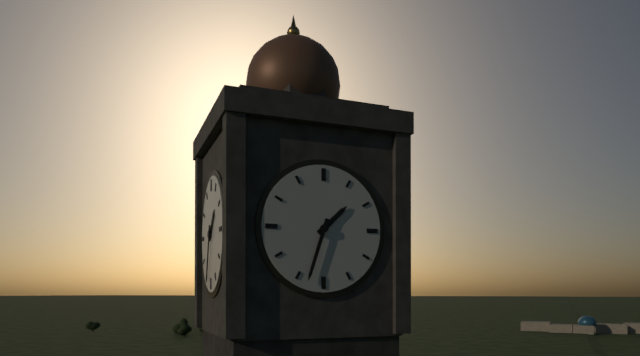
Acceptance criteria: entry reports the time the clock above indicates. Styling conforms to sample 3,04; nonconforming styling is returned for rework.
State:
1,33
